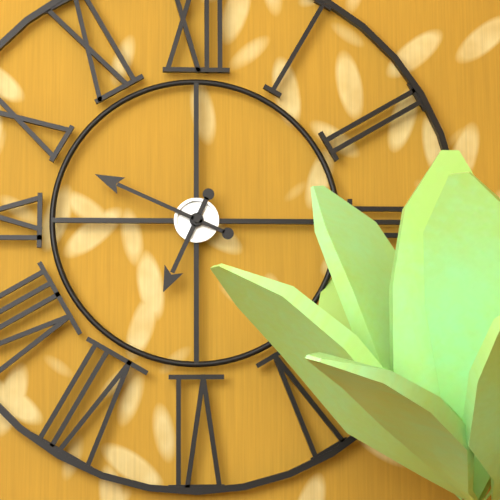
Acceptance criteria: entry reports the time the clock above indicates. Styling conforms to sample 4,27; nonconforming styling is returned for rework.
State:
6,49
